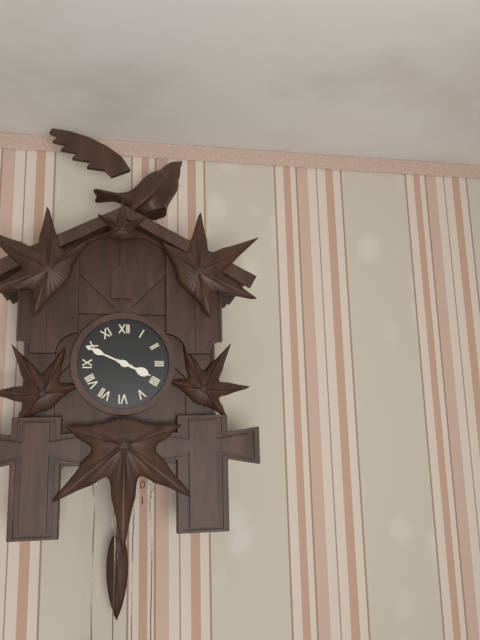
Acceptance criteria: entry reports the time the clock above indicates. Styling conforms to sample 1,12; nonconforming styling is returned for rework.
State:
3,49
